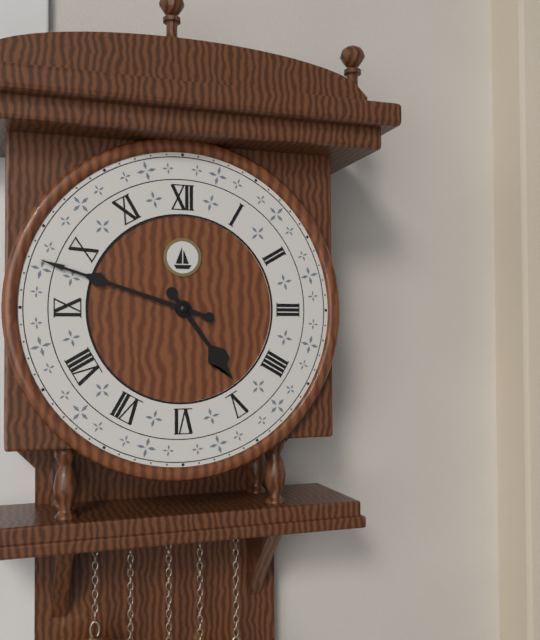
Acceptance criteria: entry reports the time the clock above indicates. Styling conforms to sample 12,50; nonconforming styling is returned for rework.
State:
4,48
